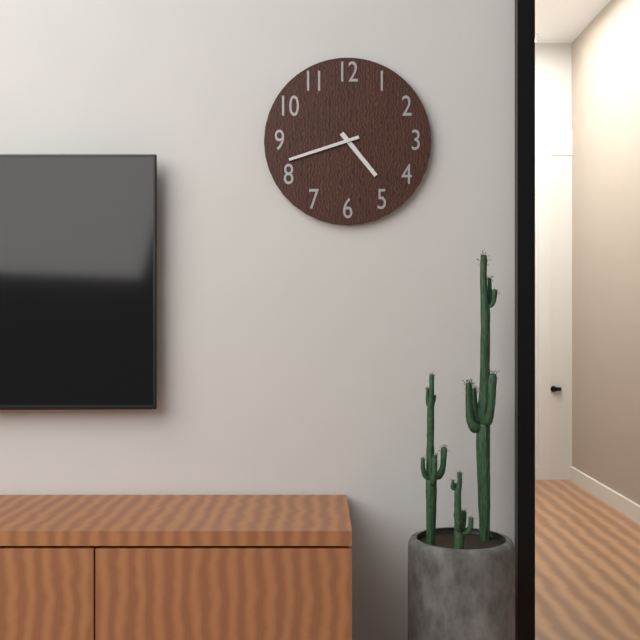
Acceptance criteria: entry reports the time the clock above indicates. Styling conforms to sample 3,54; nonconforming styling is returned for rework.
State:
4,42
